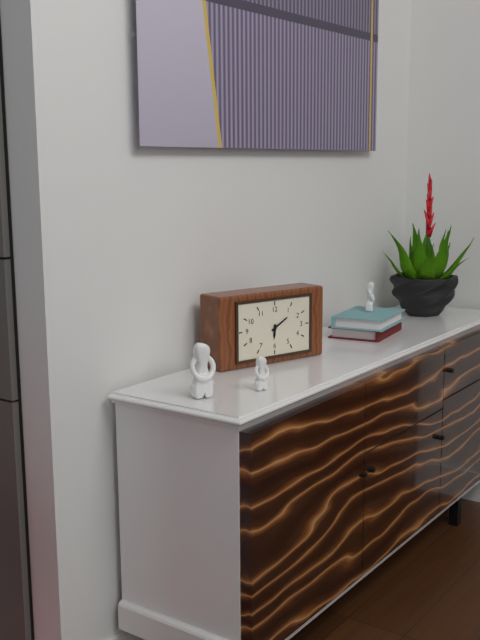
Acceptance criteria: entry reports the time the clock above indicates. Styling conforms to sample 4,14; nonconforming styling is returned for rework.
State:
6,10
